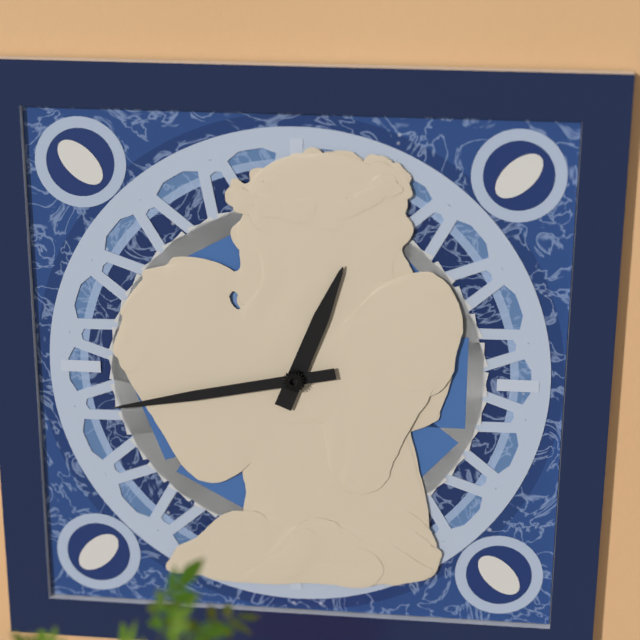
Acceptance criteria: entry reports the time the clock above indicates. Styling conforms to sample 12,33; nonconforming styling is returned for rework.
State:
12,43
